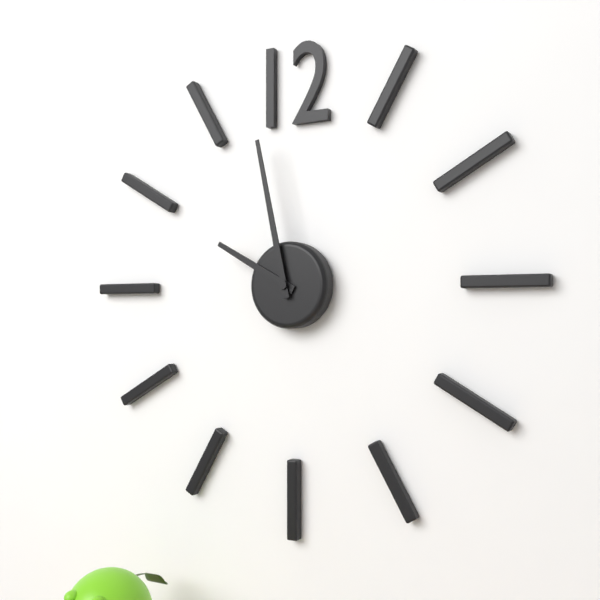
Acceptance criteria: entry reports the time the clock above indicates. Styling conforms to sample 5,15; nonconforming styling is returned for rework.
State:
9,58
